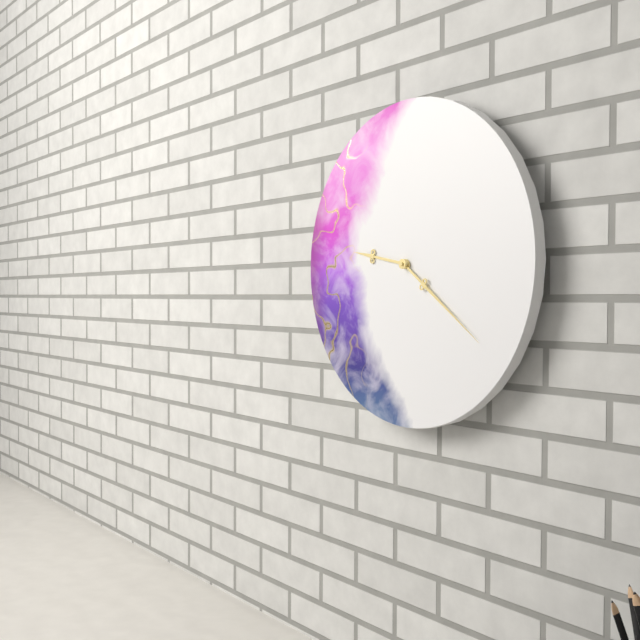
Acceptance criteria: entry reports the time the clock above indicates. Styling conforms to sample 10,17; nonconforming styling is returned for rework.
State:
9,21
